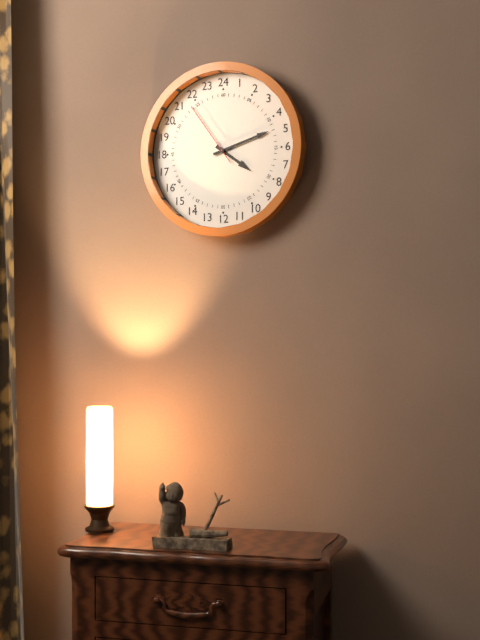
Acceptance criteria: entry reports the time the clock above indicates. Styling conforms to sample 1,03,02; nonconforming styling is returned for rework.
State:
4,12,54
